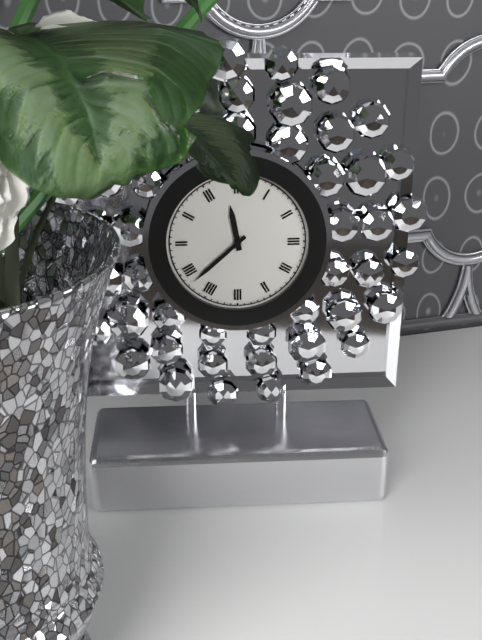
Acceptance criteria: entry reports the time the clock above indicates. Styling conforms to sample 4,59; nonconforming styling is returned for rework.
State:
11,38
